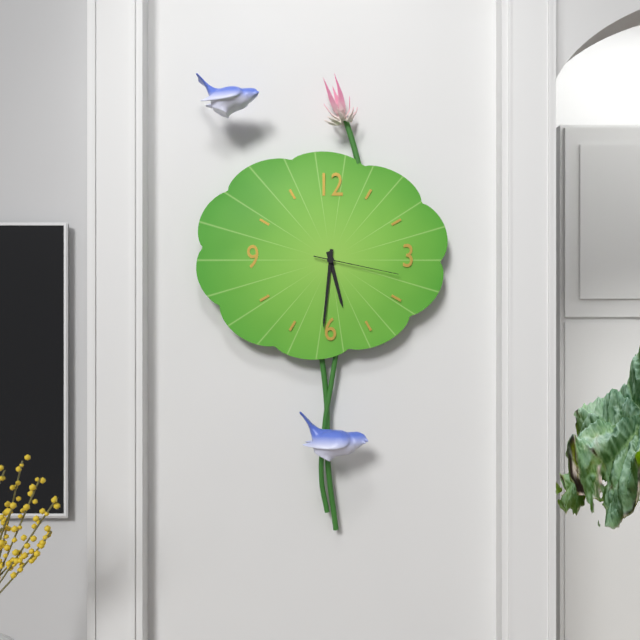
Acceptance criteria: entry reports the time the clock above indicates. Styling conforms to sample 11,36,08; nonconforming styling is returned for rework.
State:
5,31,17
